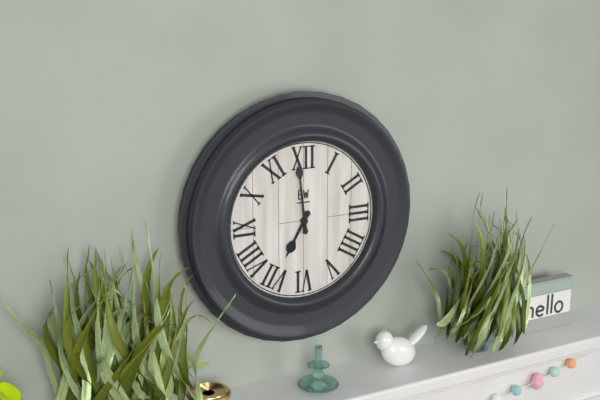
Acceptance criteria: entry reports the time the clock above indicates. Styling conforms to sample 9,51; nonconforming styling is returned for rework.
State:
6,59
